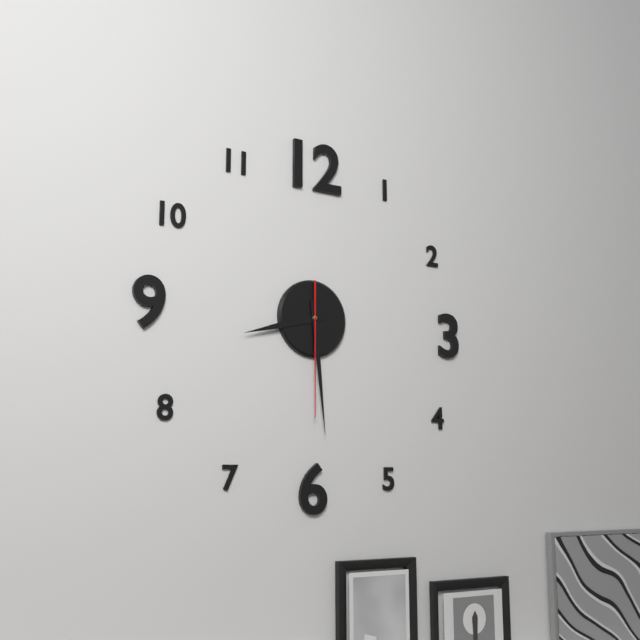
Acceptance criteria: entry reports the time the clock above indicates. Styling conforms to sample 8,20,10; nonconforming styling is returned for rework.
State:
8,29,30
